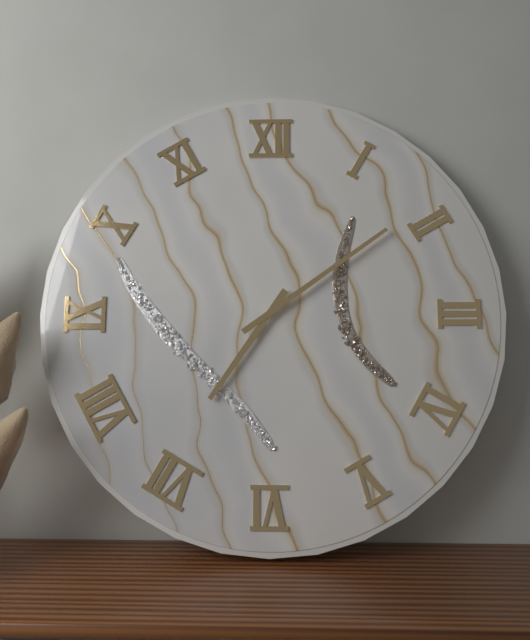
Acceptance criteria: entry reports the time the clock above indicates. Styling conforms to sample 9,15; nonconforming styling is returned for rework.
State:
7,09
